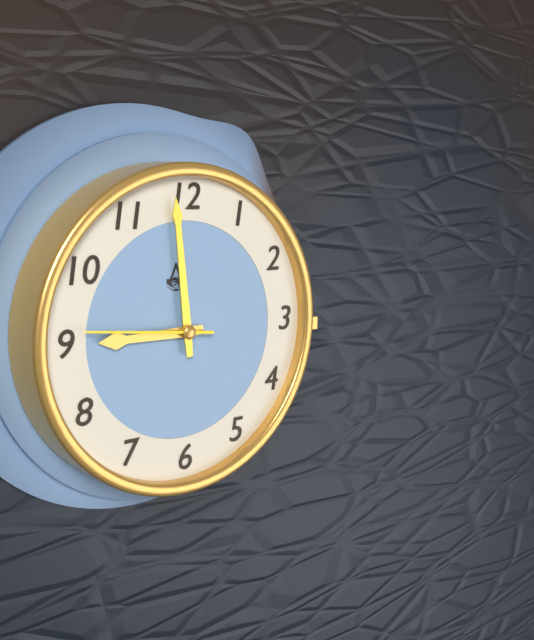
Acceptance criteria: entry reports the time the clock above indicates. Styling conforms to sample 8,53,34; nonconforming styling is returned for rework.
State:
8,59,46
